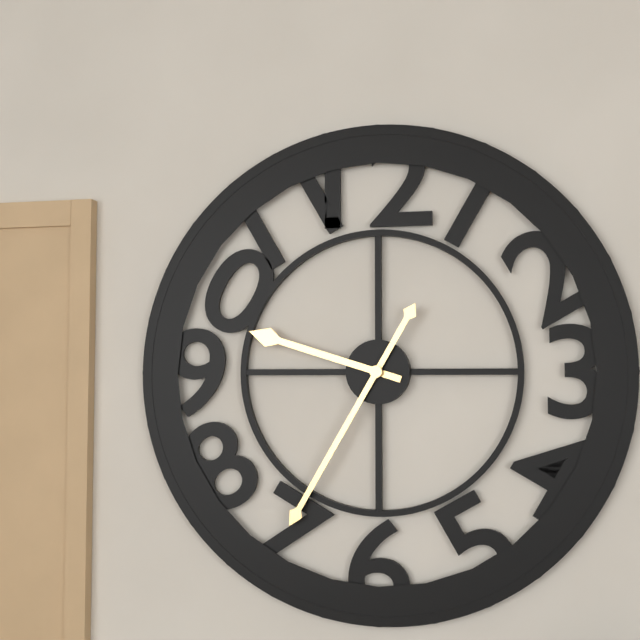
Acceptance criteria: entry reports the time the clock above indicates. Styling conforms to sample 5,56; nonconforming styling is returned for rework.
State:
9,35
